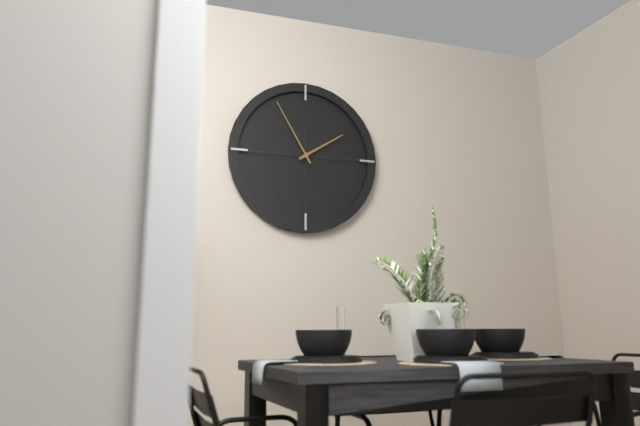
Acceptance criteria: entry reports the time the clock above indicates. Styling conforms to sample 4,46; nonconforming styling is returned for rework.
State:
1,55
